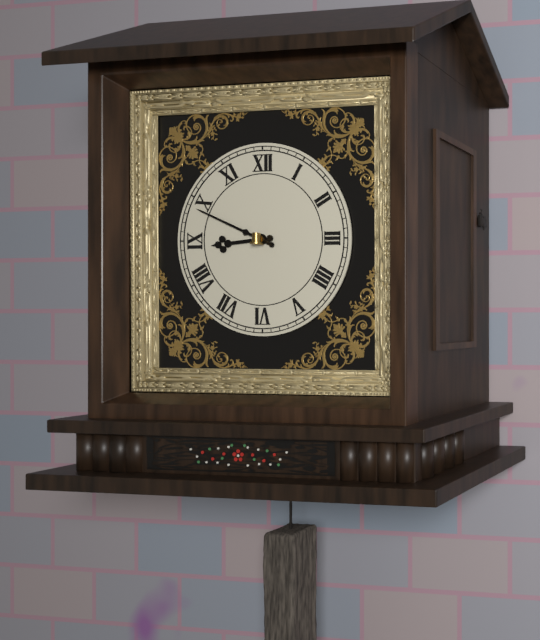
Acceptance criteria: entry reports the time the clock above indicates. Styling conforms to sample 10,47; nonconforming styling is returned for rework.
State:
8,49
